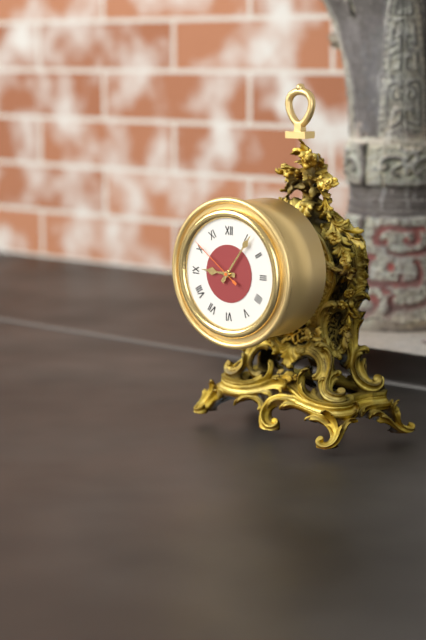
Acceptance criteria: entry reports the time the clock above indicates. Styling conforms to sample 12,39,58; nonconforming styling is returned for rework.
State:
9,06,51
